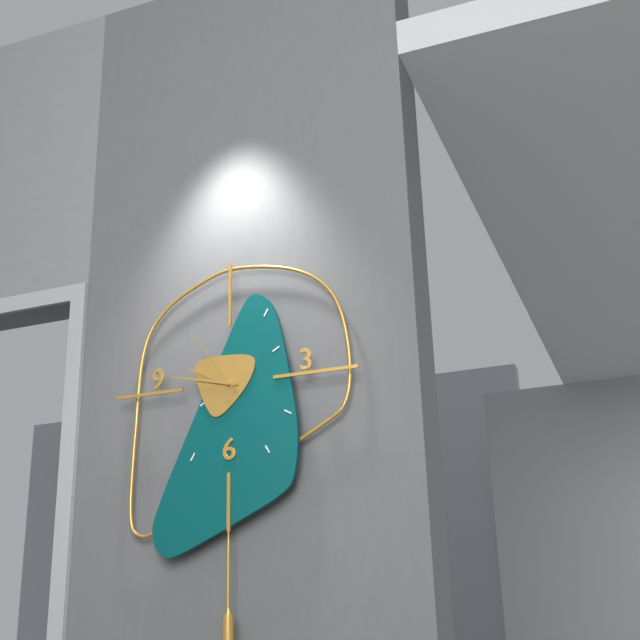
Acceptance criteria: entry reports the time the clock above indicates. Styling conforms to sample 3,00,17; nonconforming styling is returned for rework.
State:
9,47,54
